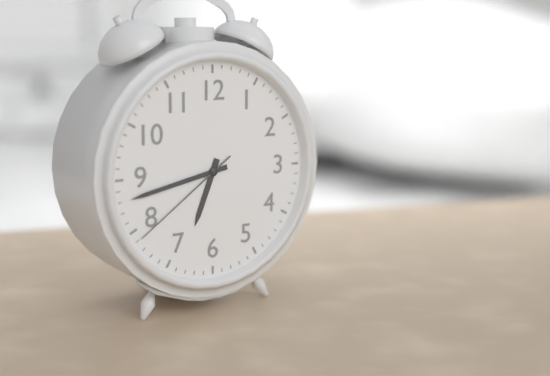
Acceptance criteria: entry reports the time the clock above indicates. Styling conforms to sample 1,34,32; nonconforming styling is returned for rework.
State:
6,43,39
